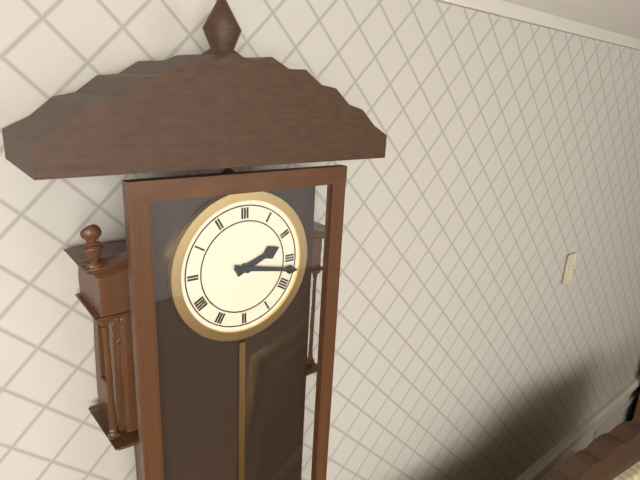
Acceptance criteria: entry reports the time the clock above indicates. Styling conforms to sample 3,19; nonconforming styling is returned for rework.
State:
2,17
